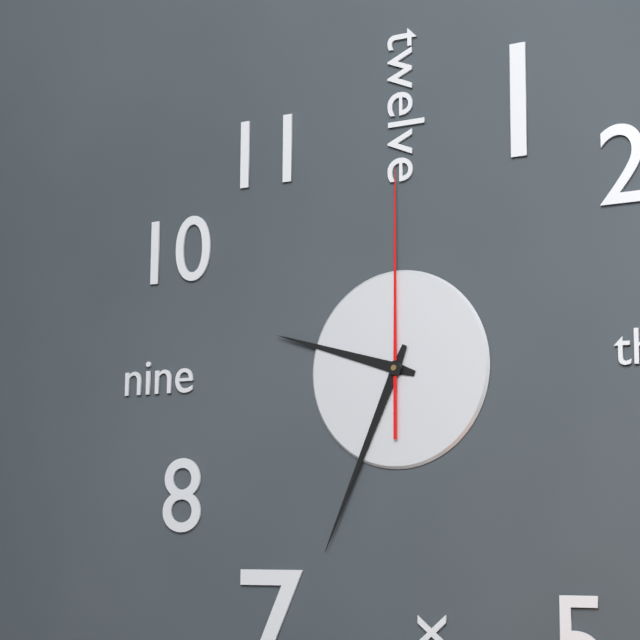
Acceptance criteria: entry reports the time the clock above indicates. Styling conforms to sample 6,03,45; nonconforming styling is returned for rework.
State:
9,34,00
